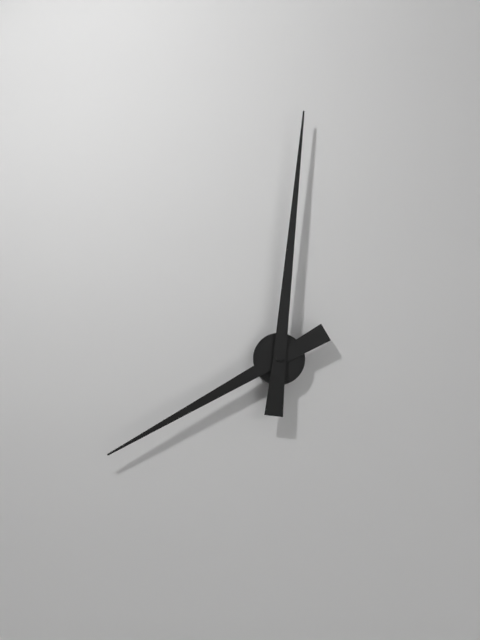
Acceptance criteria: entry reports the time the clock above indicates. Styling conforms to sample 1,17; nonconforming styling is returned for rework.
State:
8,01
